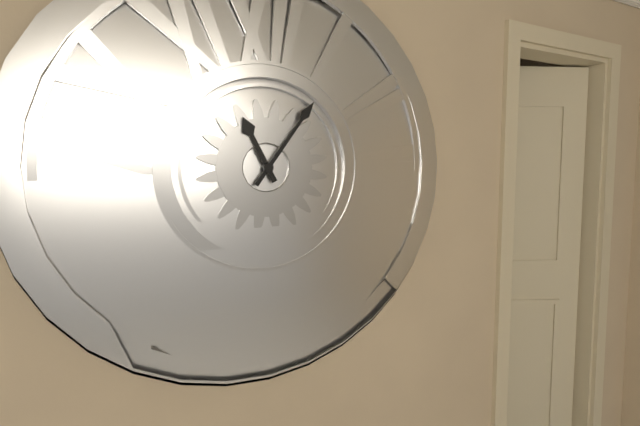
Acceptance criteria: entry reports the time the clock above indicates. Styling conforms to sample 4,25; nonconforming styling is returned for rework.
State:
11,06
